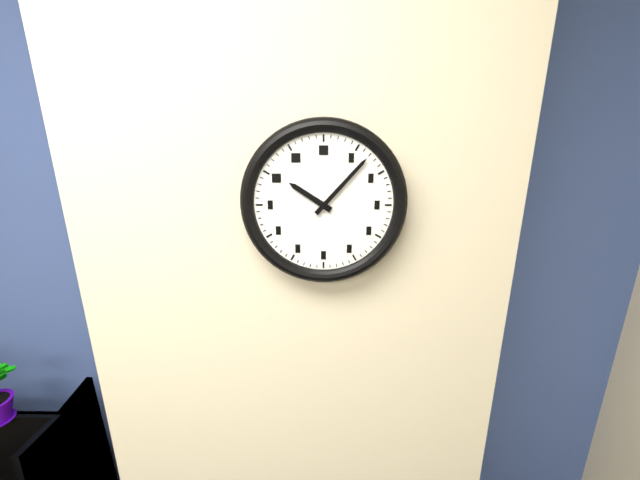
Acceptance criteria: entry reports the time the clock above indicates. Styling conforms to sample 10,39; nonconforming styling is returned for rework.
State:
10,07
